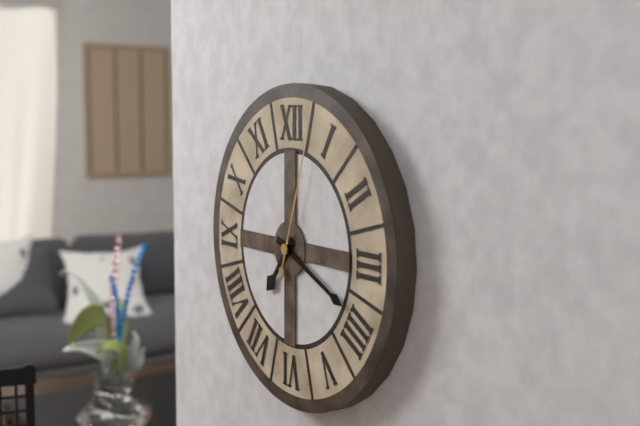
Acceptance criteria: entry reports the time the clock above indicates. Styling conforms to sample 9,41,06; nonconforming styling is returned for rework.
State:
7,19,03
